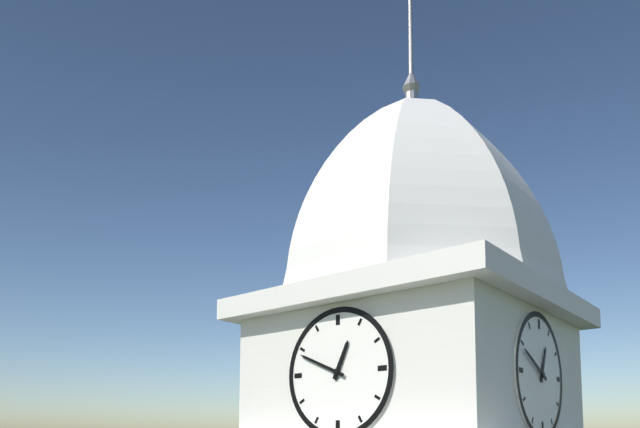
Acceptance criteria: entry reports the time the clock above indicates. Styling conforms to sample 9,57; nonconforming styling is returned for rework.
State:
12,49
